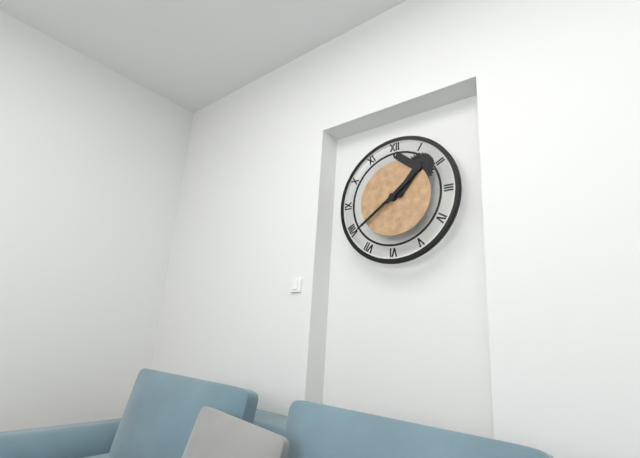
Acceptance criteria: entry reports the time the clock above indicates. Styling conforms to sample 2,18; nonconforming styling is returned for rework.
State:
1,39
